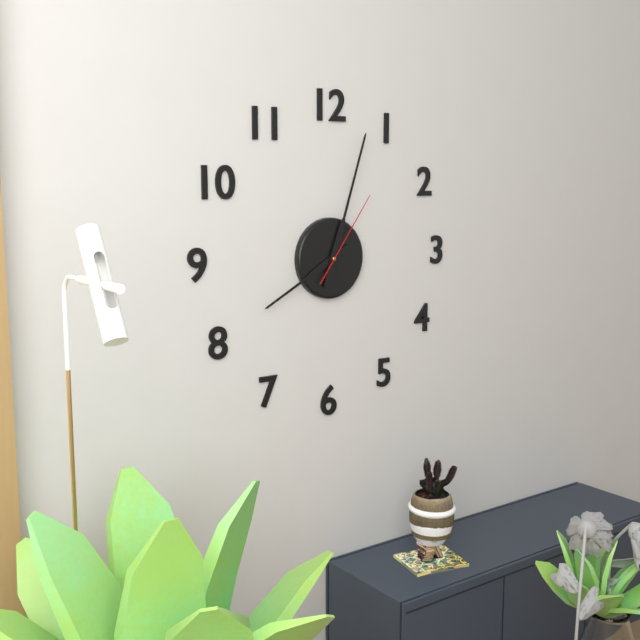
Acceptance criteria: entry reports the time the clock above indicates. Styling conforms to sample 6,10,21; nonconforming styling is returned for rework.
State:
8,03,06
